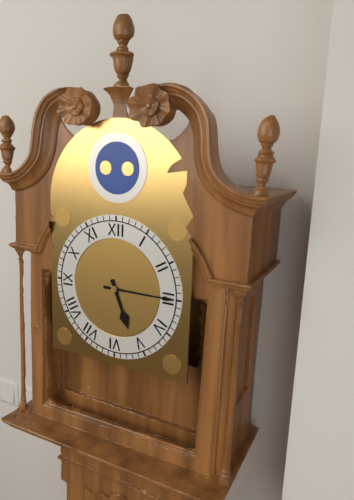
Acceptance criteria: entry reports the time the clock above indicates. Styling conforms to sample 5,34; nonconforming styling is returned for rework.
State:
5,15
